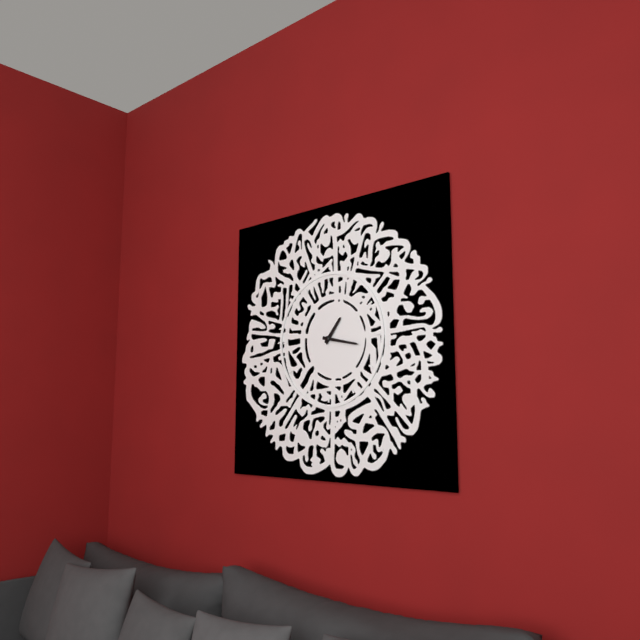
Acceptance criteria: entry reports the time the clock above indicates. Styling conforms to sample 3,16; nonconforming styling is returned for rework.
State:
1,17
